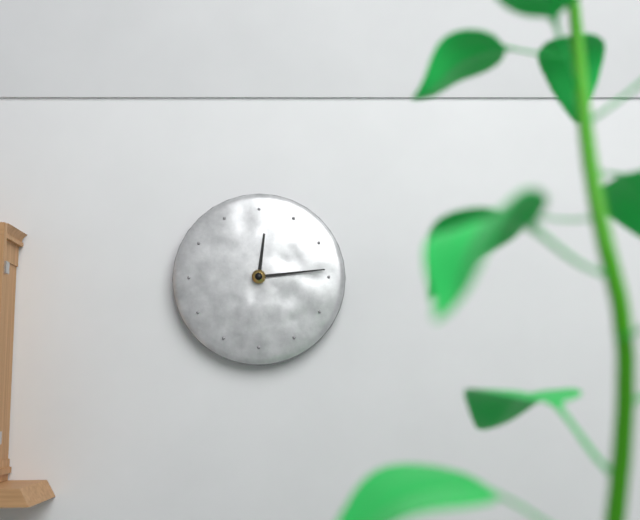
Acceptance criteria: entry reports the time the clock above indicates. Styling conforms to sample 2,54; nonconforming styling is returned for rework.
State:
12,14
